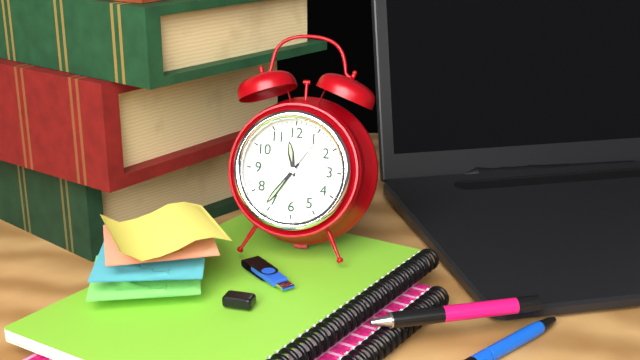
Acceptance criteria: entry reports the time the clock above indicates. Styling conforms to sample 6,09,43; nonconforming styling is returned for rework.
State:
11,36,06
